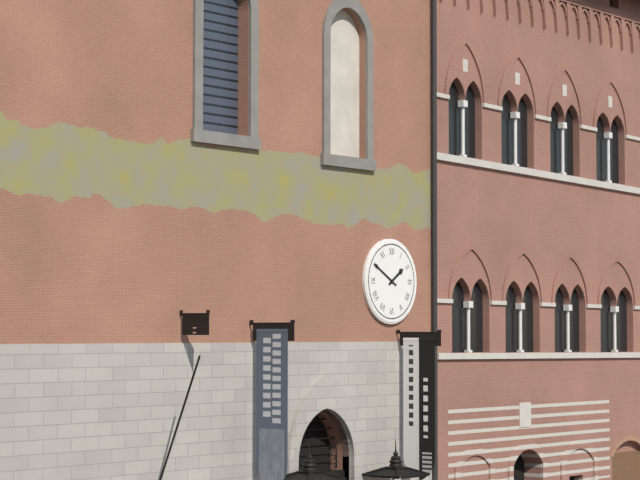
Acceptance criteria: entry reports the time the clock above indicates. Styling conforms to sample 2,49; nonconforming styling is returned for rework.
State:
1,50
